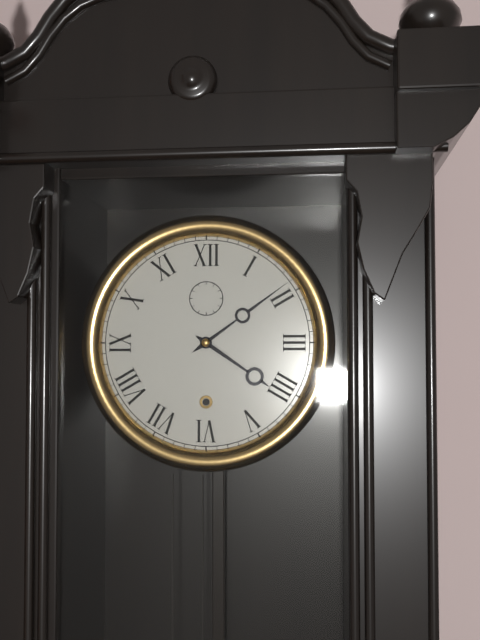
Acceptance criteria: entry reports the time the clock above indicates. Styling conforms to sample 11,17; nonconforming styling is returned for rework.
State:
4,09
